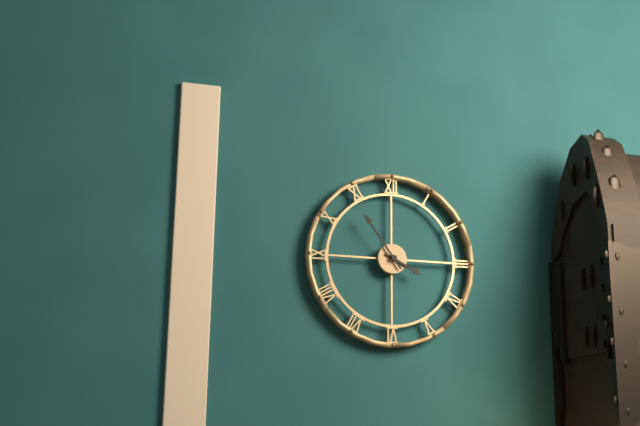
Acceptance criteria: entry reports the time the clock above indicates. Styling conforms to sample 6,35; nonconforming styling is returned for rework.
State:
3,54
